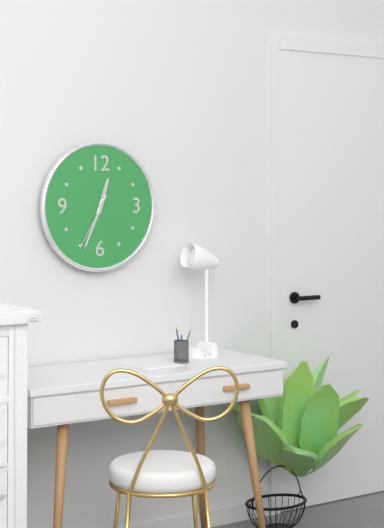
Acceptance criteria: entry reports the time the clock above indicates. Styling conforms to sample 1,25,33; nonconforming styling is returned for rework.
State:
12,34,35
